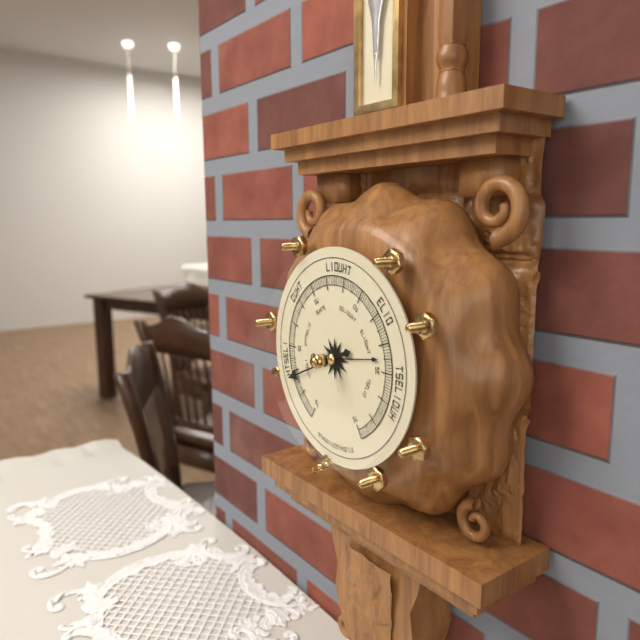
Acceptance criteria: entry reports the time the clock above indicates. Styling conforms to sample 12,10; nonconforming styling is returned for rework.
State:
2,41
